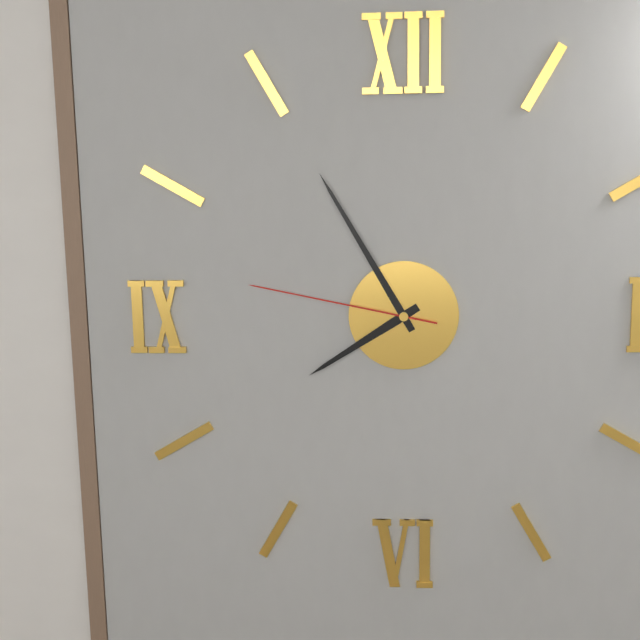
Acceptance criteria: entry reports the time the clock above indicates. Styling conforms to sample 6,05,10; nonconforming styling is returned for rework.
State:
7,55,47
